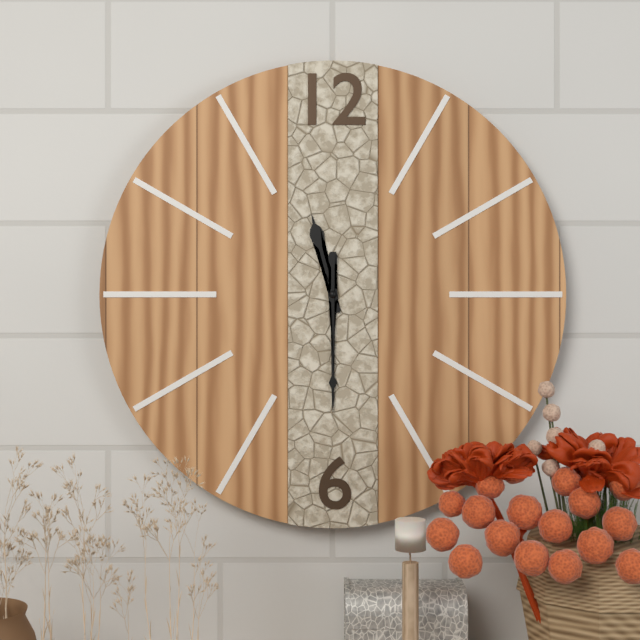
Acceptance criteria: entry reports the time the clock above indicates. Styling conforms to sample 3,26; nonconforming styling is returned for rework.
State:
11,30
